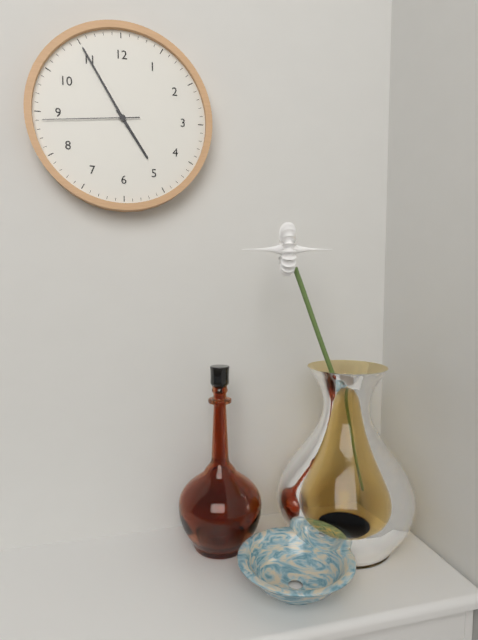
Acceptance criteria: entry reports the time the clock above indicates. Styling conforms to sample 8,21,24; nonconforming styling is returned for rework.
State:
4,55,44
